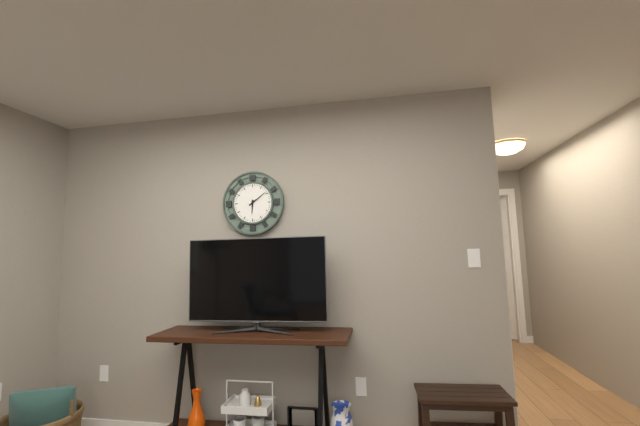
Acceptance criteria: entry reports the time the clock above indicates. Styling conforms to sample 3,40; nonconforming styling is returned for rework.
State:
6,09
